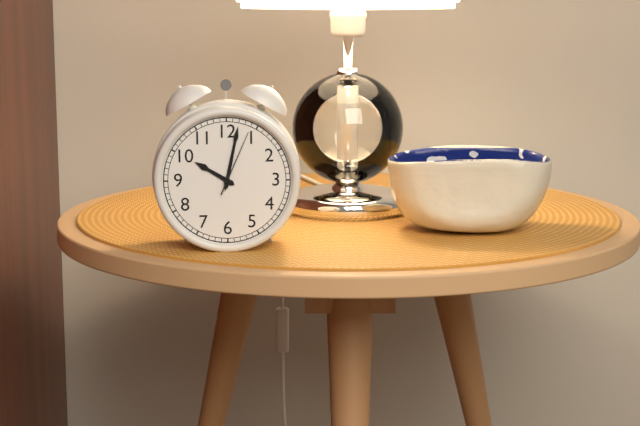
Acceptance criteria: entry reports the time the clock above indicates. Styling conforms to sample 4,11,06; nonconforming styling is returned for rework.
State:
10,02,04
